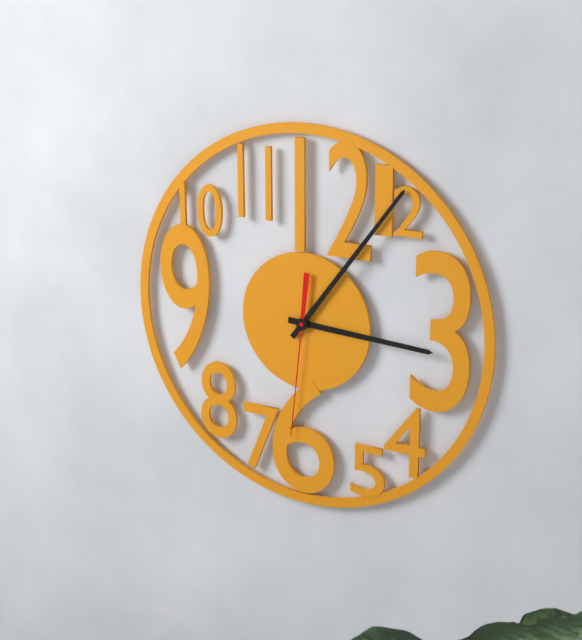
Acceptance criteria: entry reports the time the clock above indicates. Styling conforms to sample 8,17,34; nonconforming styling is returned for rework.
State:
3,06,31
